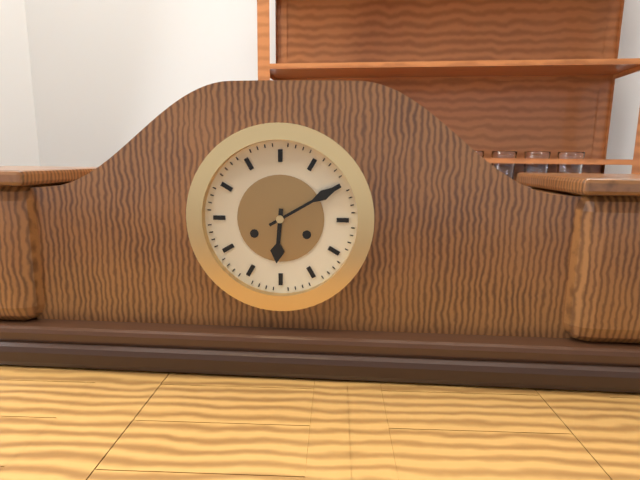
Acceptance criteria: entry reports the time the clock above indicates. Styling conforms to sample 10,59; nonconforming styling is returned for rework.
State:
6,10
